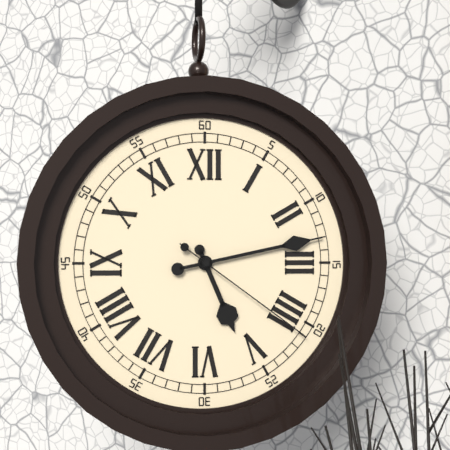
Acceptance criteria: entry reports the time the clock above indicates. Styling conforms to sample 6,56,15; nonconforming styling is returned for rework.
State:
5,13,21
